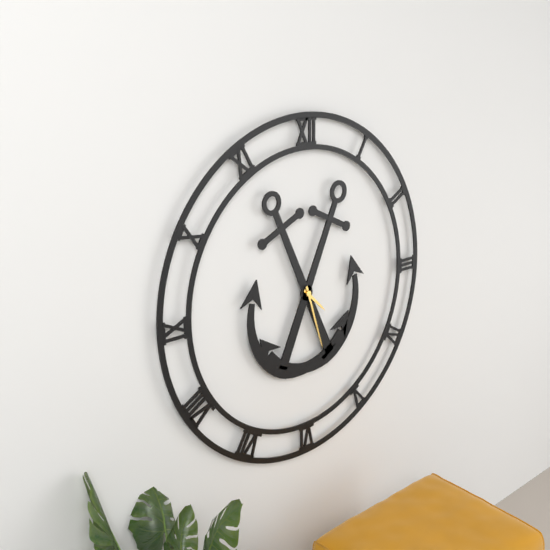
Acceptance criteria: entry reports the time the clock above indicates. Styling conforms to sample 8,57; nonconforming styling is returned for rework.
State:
4,27
